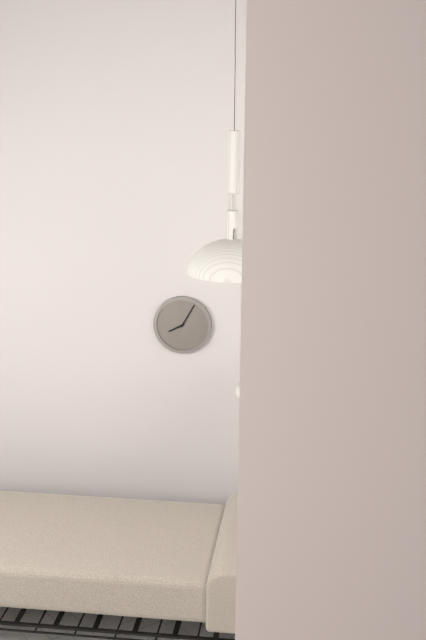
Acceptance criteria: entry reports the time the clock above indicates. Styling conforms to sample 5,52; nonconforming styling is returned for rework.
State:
8,05
